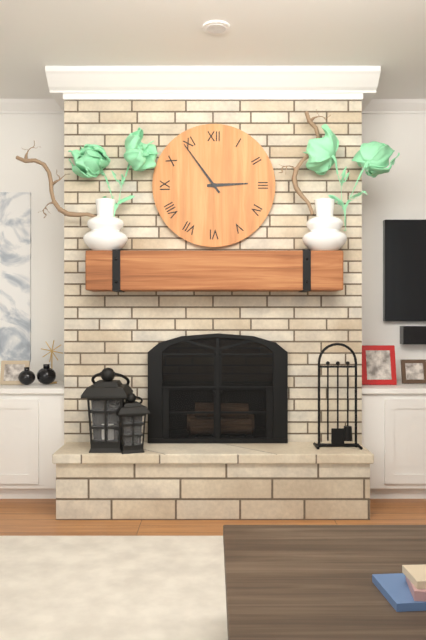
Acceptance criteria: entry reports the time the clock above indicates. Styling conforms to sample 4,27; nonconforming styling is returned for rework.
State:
2,54
